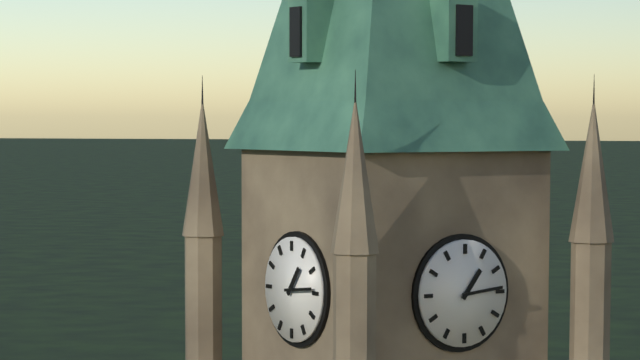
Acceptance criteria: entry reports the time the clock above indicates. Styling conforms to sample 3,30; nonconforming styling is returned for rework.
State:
1,14
